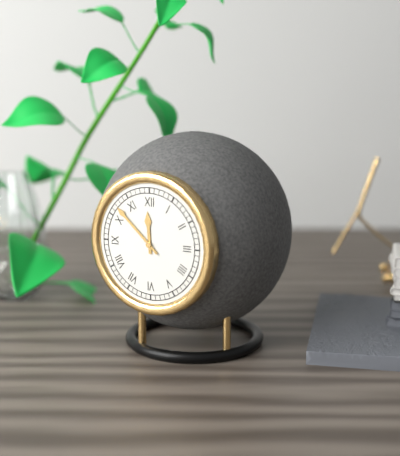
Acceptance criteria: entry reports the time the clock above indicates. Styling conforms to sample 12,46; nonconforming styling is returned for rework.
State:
11,52
